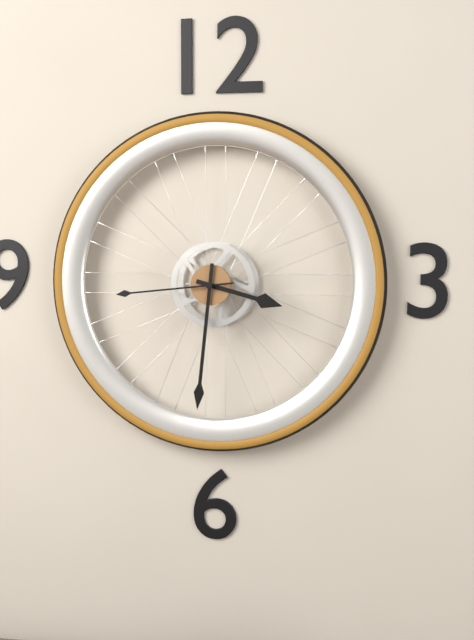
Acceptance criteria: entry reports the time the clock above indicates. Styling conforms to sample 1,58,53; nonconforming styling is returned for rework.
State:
3,31,44
